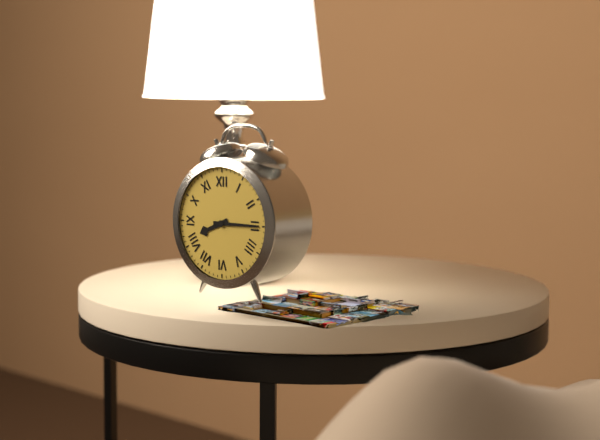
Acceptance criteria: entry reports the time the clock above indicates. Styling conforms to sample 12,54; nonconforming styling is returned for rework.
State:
8,15
